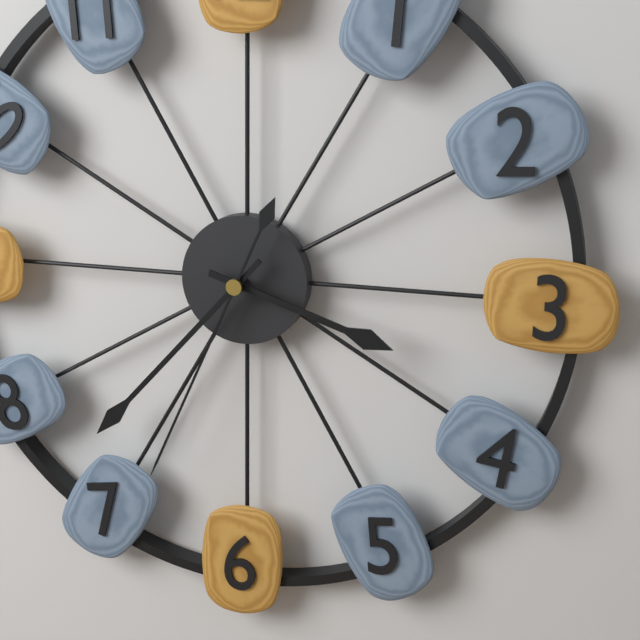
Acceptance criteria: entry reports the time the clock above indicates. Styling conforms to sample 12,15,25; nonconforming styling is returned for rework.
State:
3,37,34
